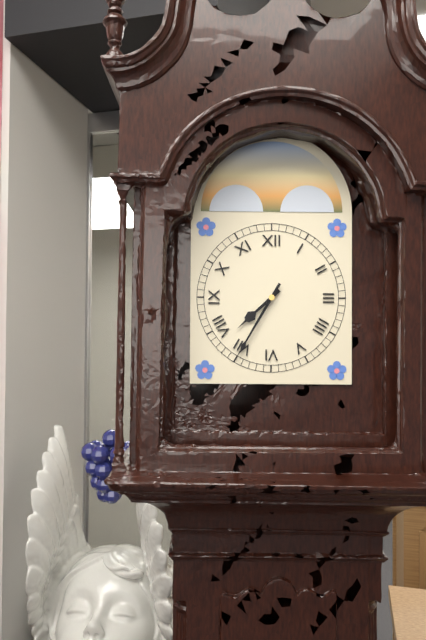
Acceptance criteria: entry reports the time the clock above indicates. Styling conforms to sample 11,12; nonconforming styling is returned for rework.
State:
7,35
